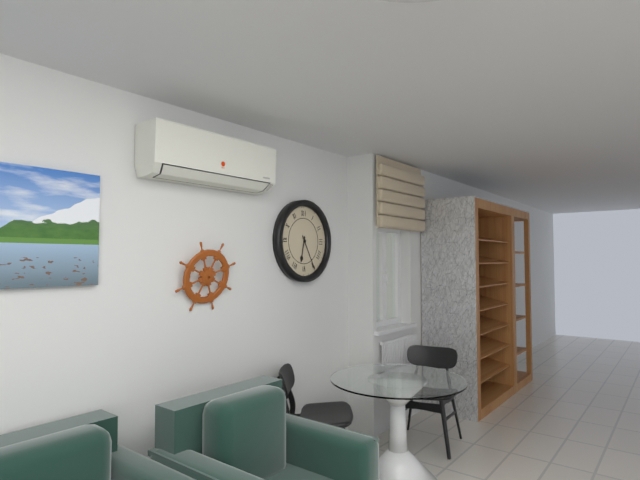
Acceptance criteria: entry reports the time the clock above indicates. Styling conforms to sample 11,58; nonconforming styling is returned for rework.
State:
6,25
